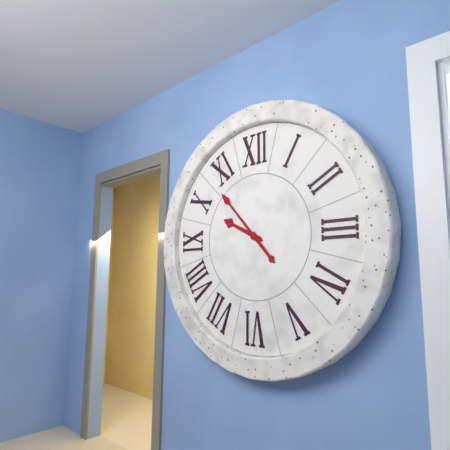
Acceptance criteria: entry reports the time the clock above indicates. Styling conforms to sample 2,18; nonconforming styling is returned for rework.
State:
9,53
